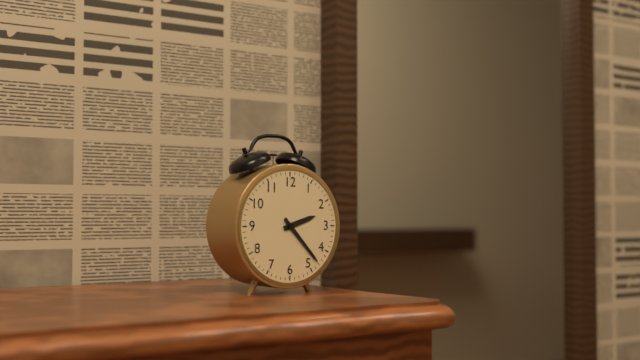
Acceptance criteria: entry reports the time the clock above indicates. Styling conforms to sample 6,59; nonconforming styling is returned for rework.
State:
2,23
